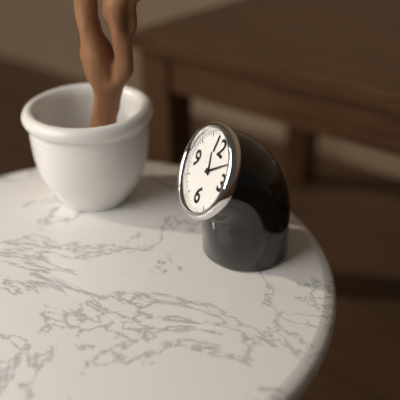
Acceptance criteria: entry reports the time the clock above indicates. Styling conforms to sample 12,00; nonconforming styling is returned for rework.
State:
11,09
